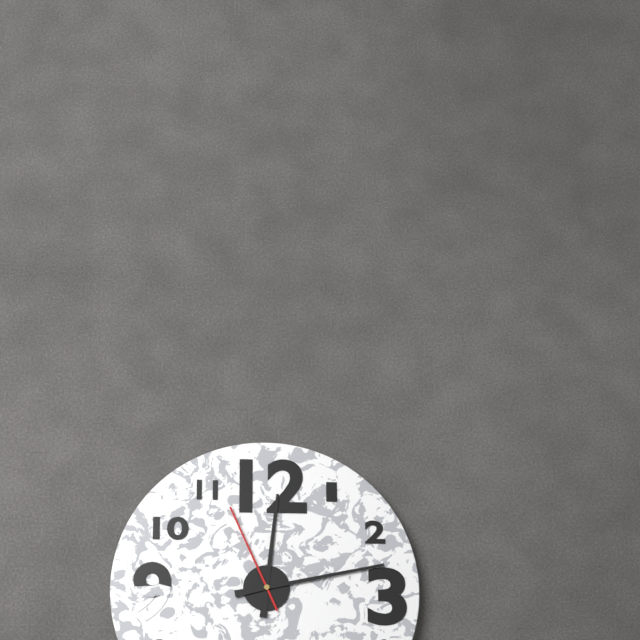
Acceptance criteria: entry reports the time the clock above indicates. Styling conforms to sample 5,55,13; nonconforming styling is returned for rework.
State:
12,13,56
